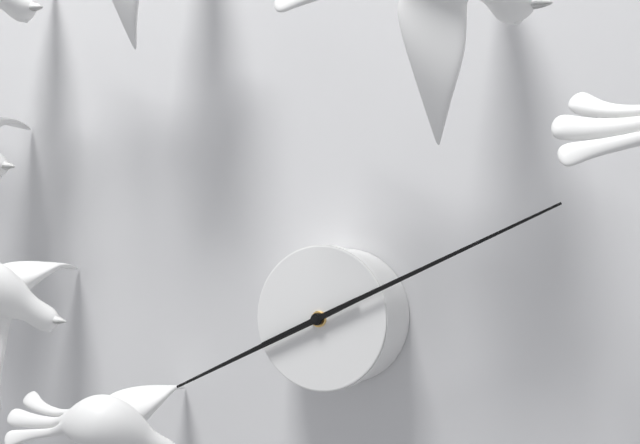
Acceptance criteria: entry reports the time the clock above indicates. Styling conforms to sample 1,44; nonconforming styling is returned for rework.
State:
8,11
